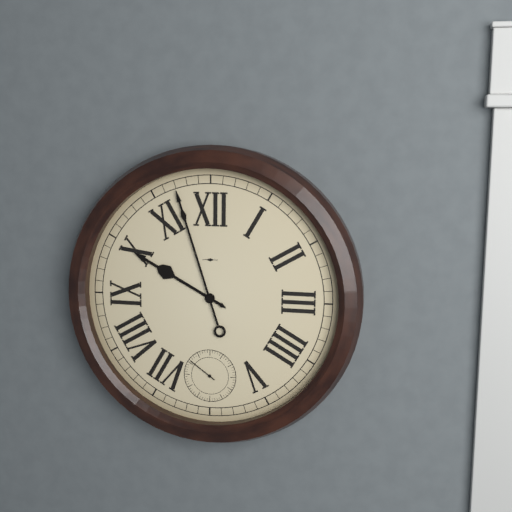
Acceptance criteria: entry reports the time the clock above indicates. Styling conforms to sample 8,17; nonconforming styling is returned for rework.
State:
9,57
